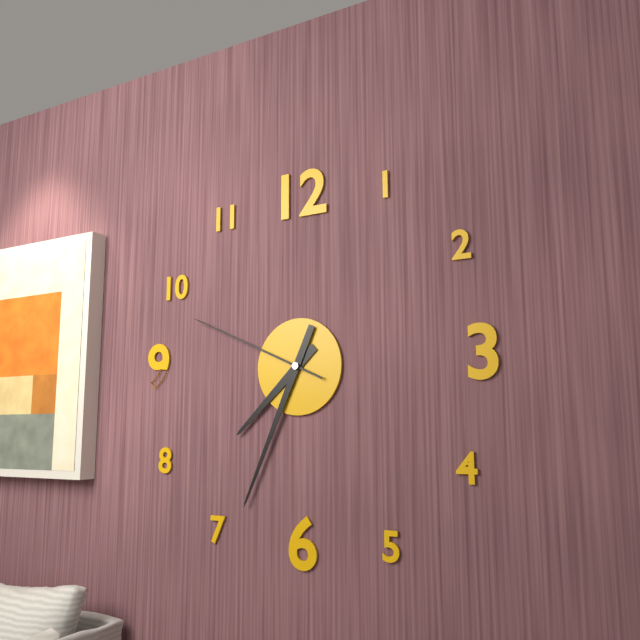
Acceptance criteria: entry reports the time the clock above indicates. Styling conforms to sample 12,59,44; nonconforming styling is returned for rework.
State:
7,34,49
